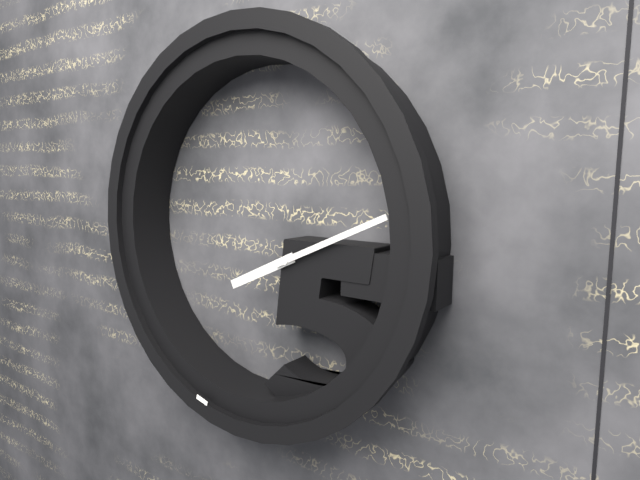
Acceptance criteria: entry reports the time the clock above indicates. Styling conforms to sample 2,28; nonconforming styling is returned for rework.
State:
8,11
